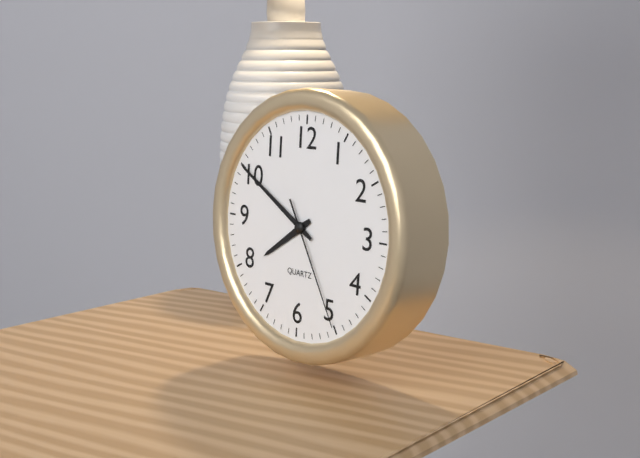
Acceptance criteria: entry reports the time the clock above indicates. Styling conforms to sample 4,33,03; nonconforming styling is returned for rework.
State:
7,50,25
